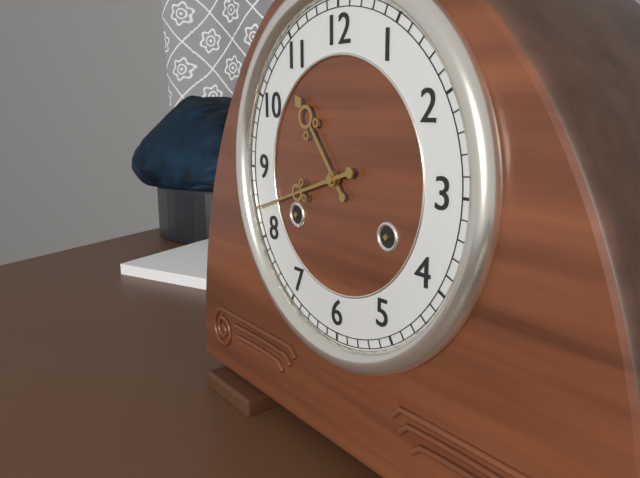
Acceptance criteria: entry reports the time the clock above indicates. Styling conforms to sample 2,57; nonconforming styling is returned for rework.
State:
10,42
